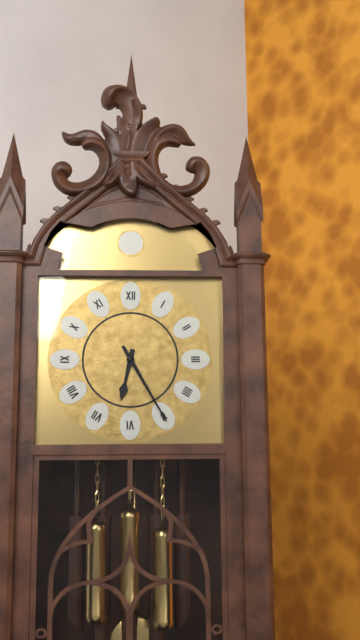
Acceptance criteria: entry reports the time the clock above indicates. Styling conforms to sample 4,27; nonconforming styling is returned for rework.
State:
6,25
